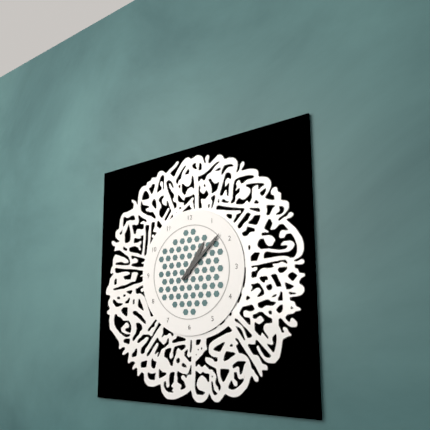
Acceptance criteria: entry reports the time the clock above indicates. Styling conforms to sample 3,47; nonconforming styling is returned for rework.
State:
1,08
